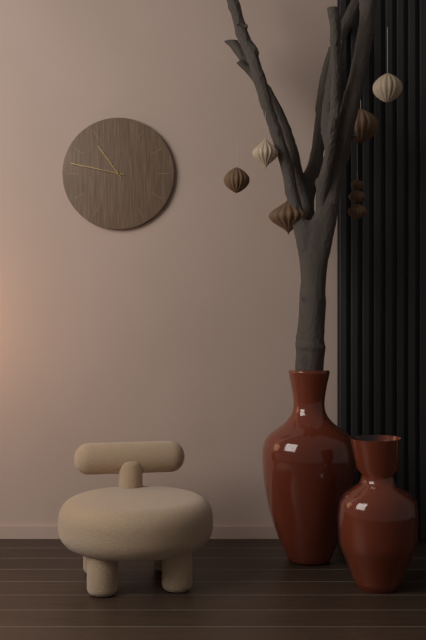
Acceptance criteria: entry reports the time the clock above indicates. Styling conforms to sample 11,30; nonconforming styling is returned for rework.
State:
10,47
